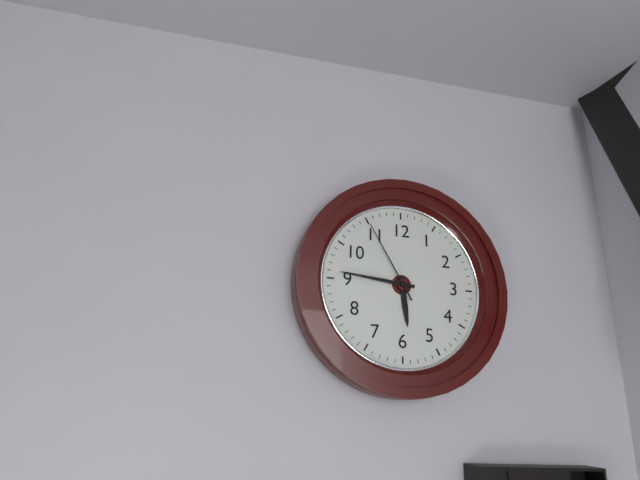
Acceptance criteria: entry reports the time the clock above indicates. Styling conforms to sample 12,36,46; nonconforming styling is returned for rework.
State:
5,46,55
